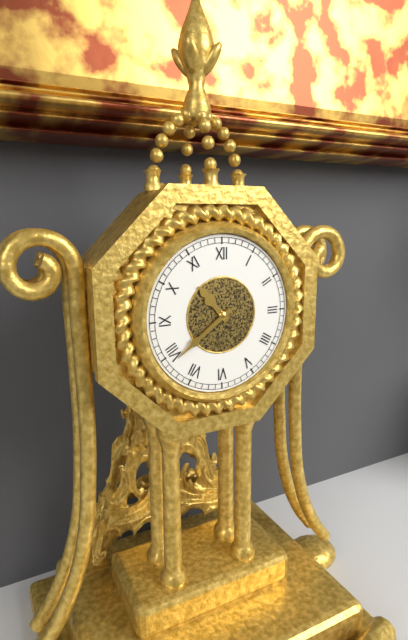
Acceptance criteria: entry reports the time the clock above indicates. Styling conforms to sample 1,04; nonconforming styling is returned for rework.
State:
10,39
